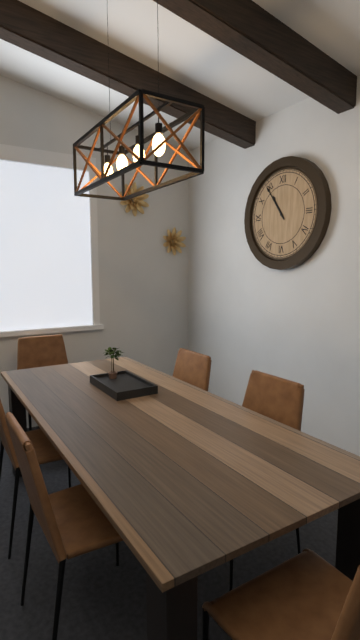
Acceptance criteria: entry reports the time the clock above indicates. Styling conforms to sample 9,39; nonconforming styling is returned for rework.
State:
10,54
